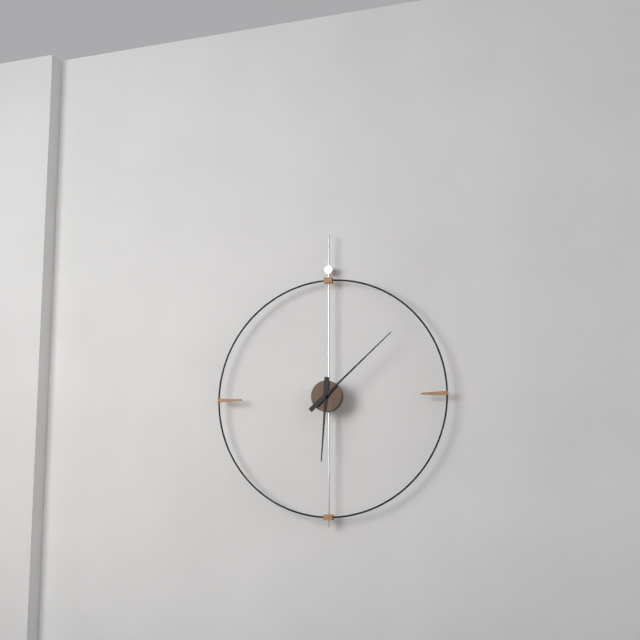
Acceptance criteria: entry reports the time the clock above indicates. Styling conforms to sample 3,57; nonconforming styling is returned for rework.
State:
6,08
